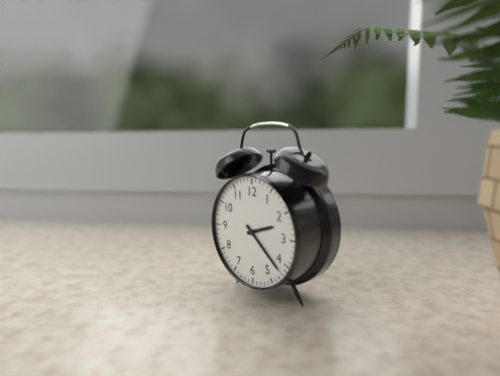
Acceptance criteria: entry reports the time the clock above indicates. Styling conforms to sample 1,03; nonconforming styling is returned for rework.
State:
2,22
